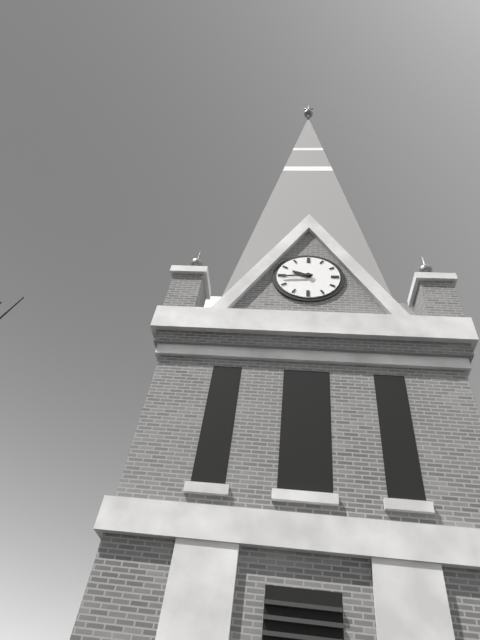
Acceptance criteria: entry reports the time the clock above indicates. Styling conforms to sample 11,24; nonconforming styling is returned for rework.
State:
9,44
